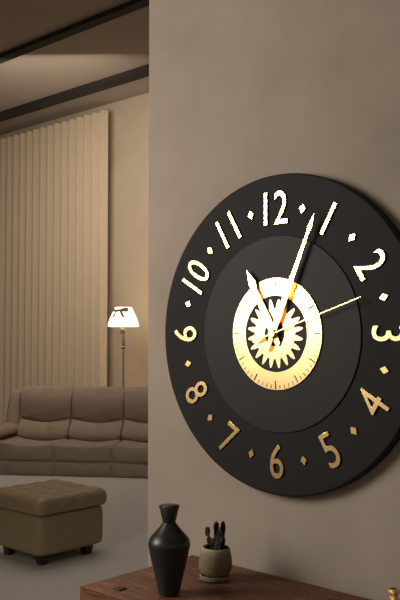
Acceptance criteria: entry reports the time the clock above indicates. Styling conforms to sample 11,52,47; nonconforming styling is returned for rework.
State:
11,04,12
